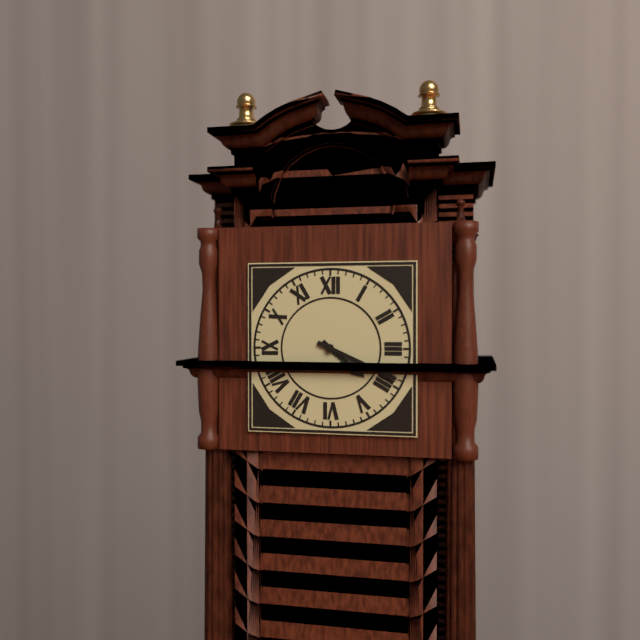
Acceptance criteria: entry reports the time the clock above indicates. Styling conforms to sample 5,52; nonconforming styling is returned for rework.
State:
4,19
